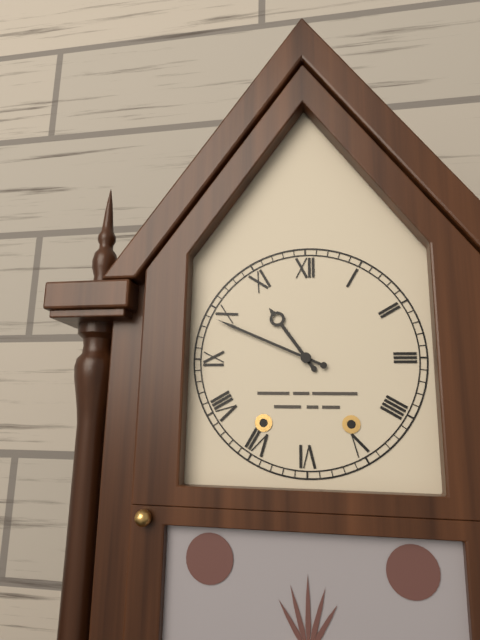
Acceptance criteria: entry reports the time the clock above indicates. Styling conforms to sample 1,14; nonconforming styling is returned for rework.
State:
10,49
